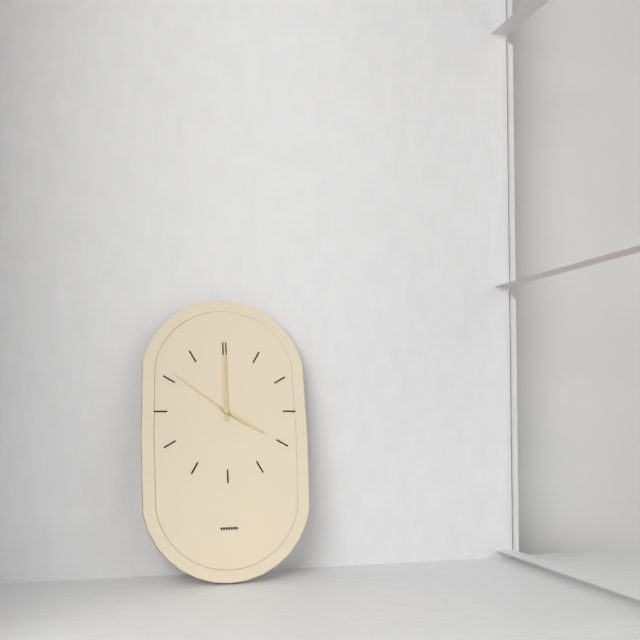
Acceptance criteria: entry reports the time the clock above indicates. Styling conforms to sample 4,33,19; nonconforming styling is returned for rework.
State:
4,00,51
